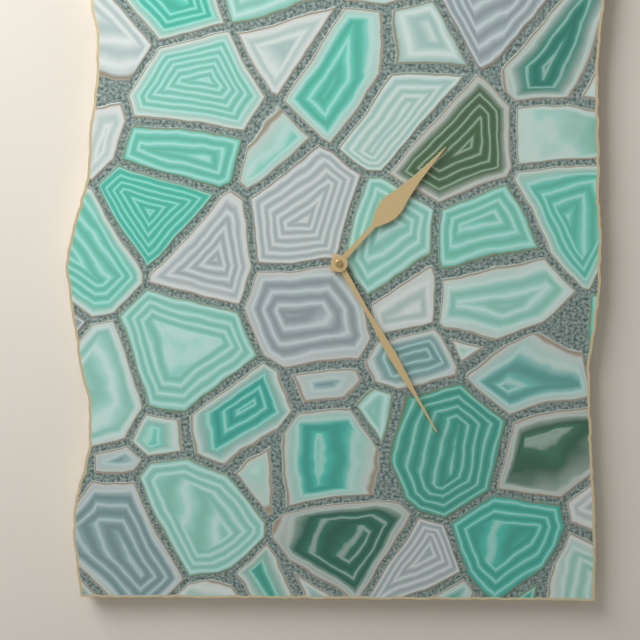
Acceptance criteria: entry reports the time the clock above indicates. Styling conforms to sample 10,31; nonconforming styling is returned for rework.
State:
1,25
